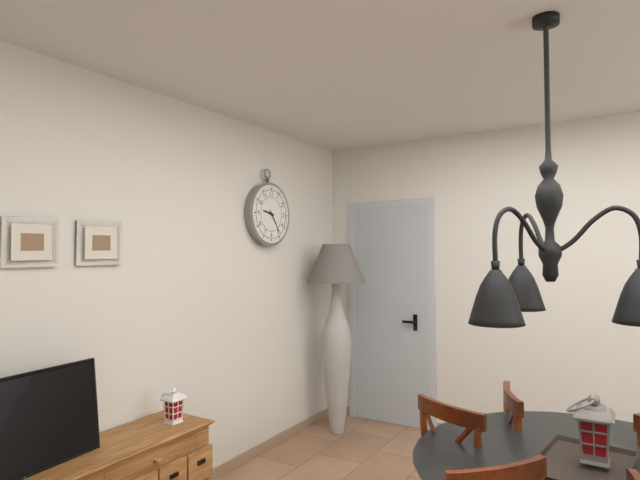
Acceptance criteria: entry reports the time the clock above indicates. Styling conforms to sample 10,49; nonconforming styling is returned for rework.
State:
9,24
